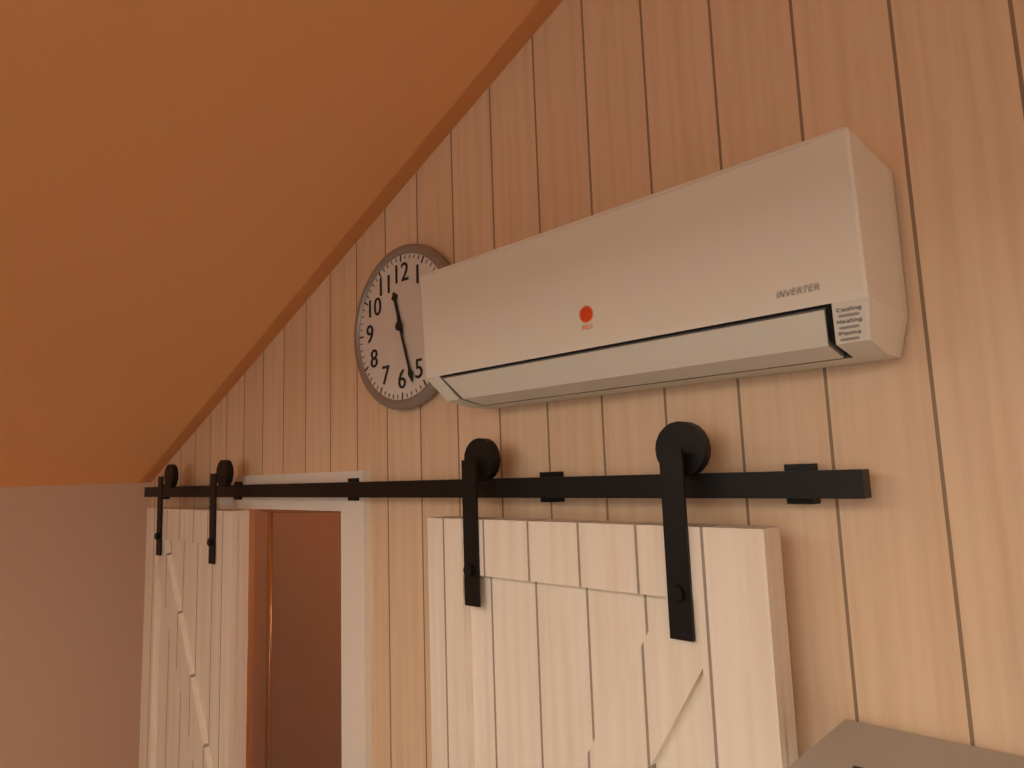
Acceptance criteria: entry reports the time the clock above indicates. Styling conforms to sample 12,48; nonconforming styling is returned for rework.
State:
11,27
